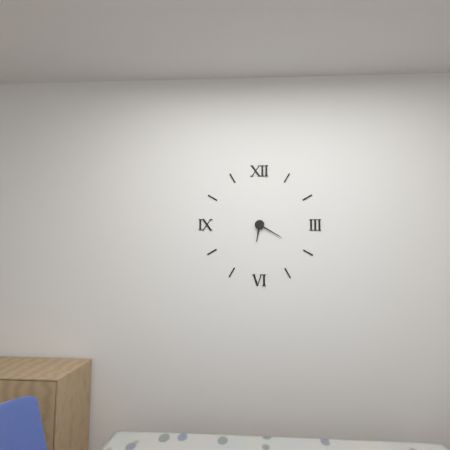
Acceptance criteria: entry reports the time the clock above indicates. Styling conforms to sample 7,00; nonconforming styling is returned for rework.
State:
6,20
